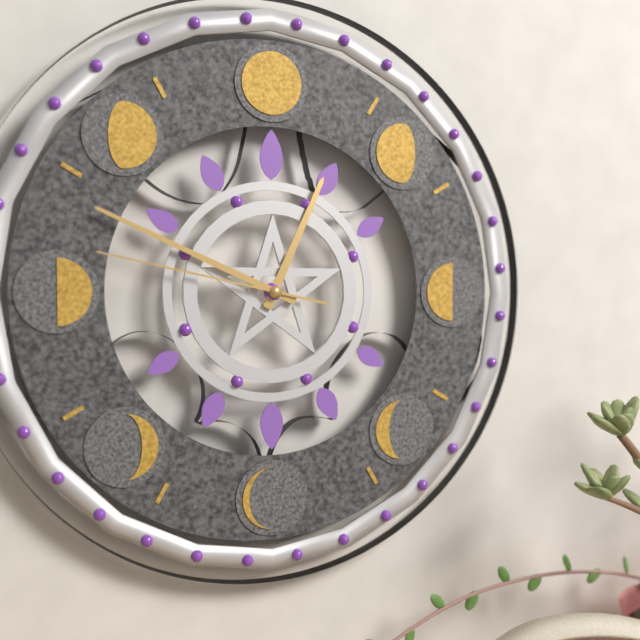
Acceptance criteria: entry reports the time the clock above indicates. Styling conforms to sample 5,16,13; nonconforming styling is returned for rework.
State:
12,49,47
